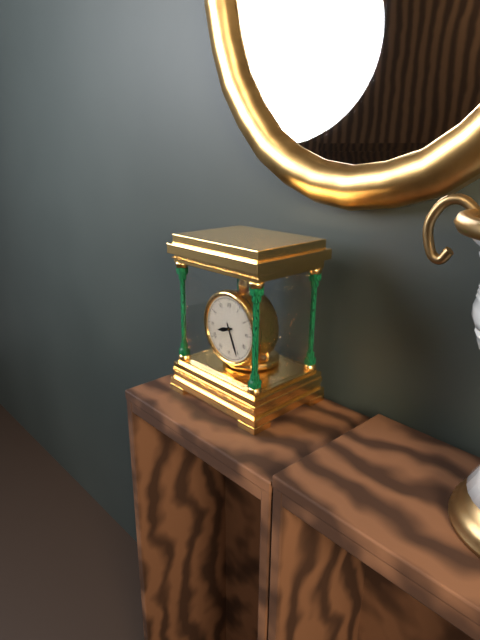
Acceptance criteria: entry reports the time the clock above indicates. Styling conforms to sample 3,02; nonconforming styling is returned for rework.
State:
8,26
